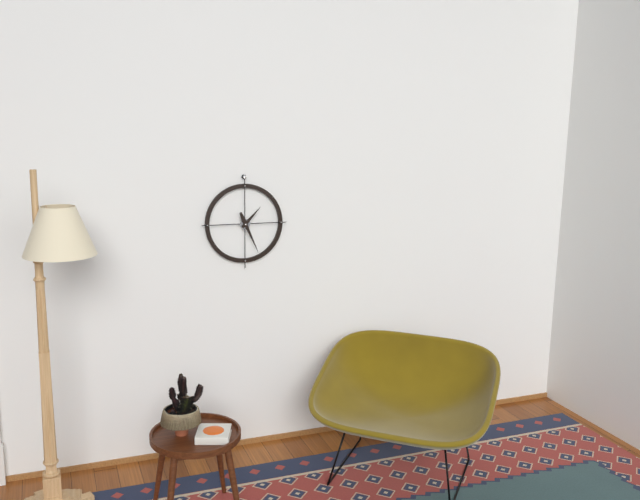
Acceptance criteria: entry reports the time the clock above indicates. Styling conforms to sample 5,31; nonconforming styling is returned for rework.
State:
1,26
